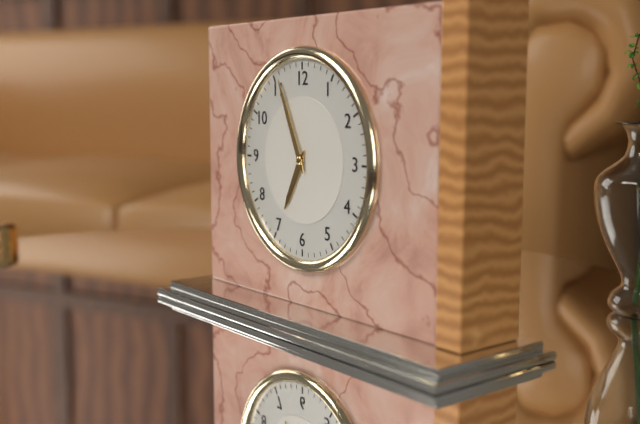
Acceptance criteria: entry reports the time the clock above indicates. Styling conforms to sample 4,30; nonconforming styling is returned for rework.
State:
6,56
